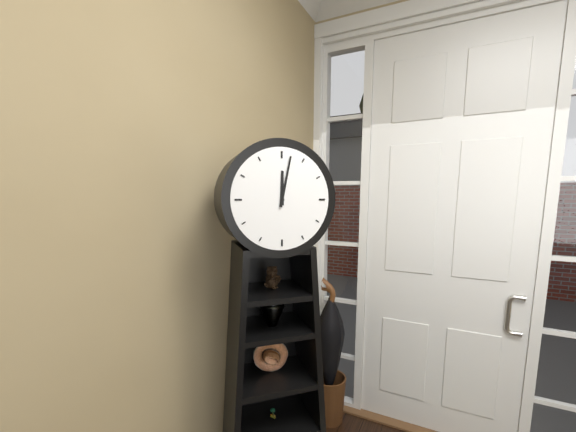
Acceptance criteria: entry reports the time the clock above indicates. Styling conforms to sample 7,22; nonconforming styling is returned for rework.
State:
12,02
